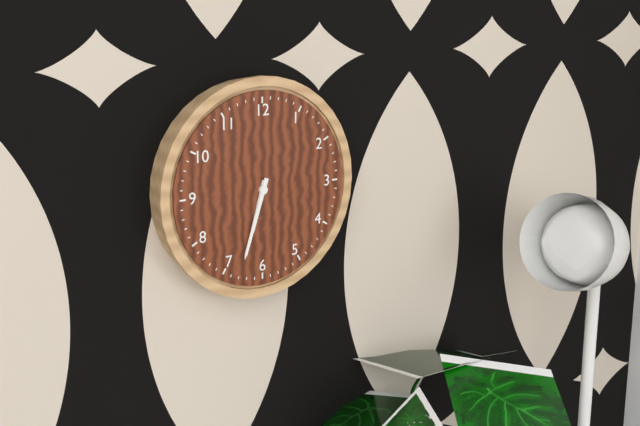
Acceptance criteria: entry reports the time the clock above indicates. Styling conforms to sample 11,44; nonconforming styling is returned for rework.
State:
6,33
